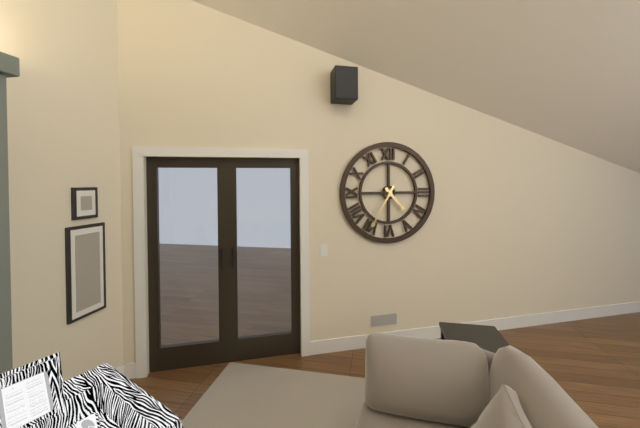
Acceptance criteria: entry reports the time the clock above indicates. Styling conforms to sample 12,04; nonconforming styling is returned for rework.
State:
4,35
